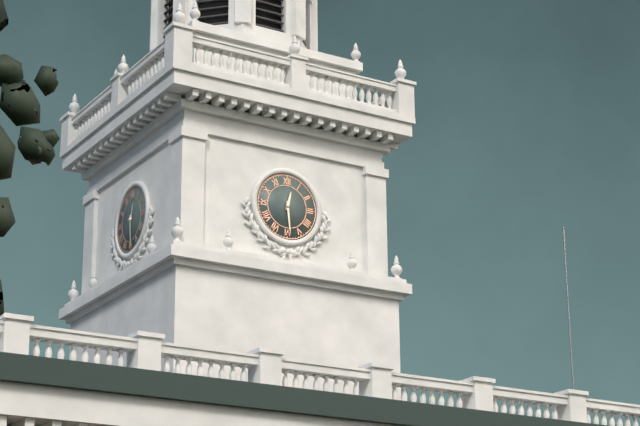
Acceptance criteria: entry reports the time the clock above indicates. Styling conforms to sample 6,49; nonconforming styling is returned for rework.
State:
12,29
